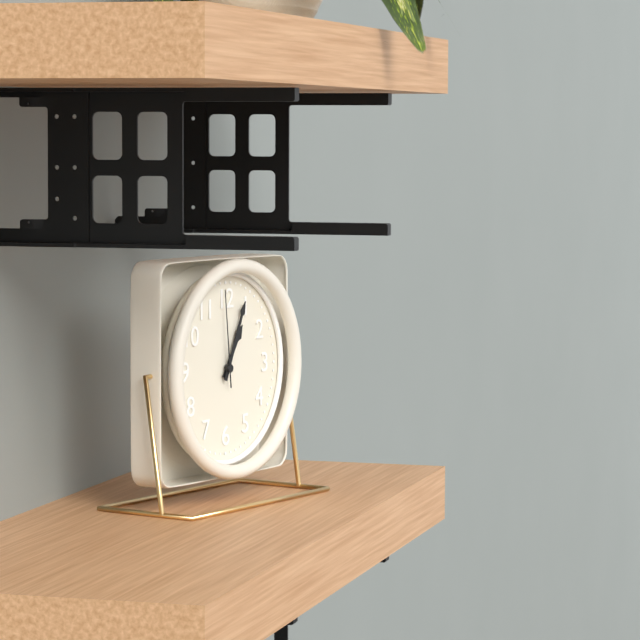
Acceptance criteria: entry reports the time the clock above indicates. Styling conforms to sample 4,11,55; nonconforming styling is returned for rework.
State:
1,04,59
